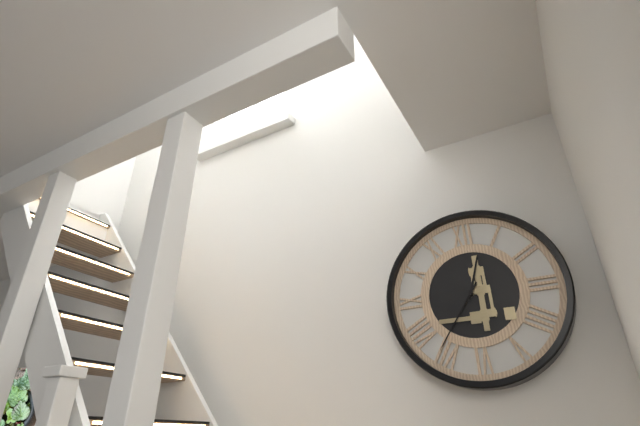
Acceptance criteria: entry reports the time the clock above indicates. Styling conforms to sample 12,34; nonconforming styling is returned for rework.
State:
12,36
